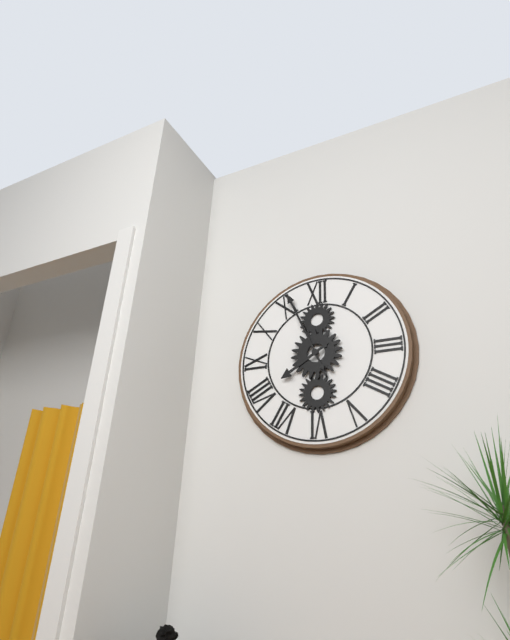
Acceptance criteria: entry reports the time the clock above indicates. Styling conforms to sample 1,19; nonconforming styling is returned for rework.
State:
7,56
